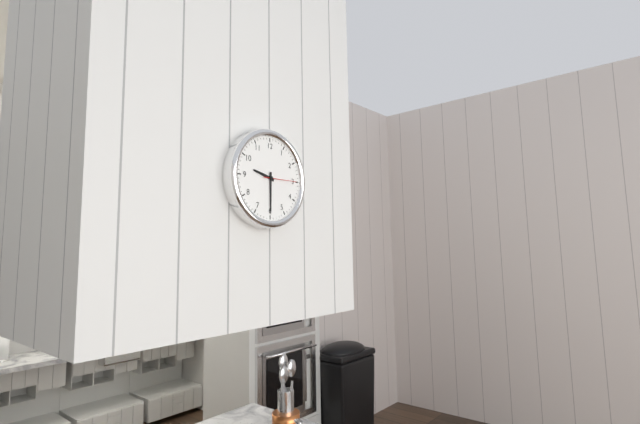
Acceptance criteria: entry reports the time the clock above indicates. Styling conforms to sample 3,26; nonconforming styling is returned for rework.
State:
9,30
